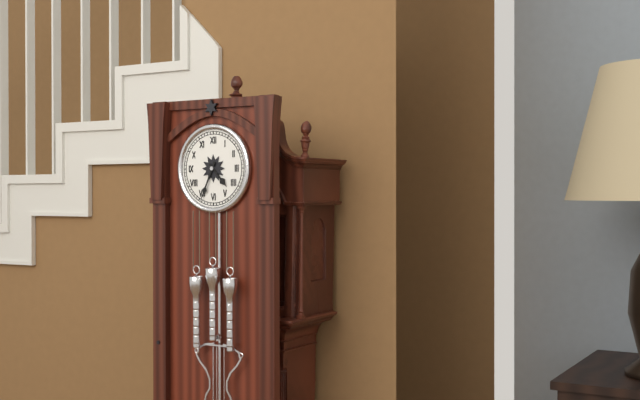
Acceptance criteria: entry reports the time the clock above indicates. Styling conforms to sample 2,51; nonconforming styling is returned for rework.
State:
4,34
